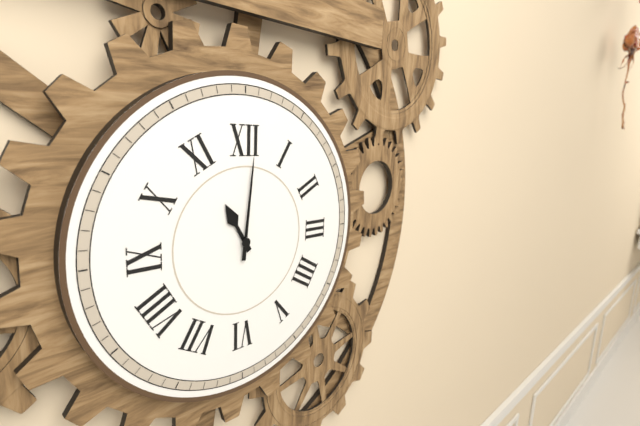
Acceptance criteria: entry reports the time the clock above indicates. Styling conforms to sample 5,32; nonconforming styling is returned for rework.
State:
11,01
